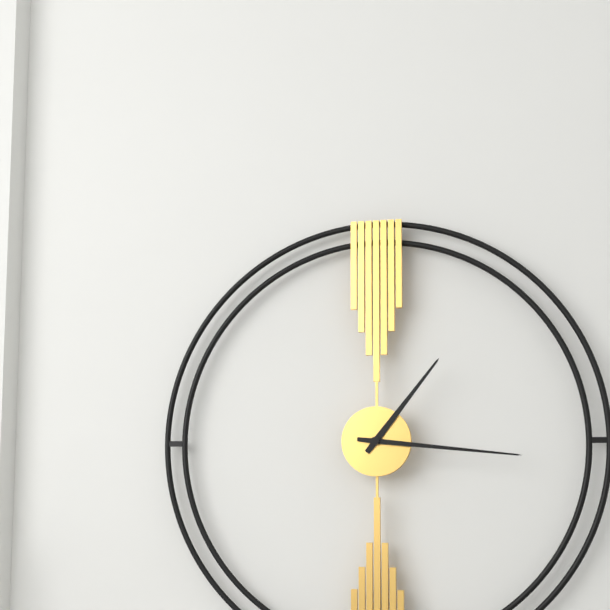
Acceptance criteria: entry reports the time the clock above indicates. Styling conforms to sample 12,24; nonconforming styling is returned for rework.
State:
1,16
